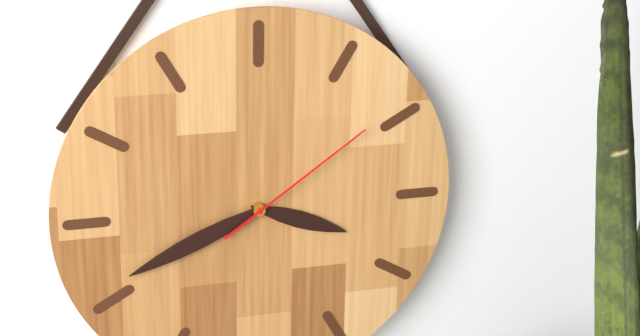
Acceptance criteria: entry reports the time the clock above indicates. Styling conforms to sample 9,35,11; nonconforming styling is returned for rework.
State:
3,41,09
